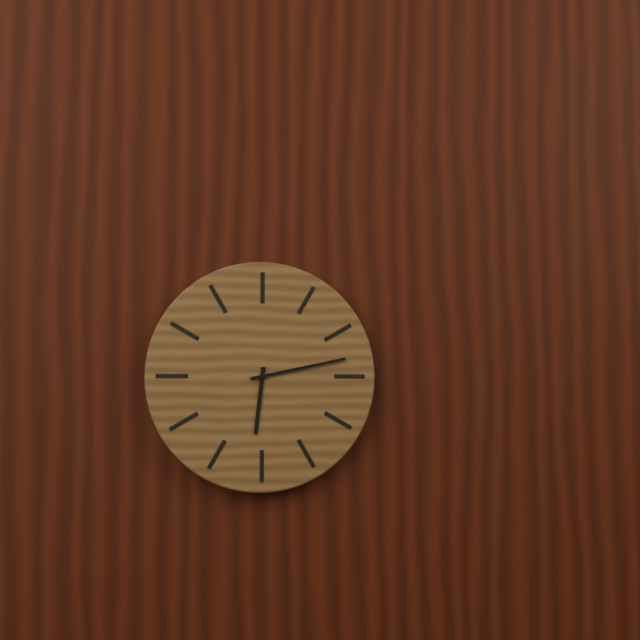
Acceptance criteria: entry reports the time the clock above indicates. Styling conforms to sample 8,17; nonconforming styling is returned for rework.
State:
6,13
